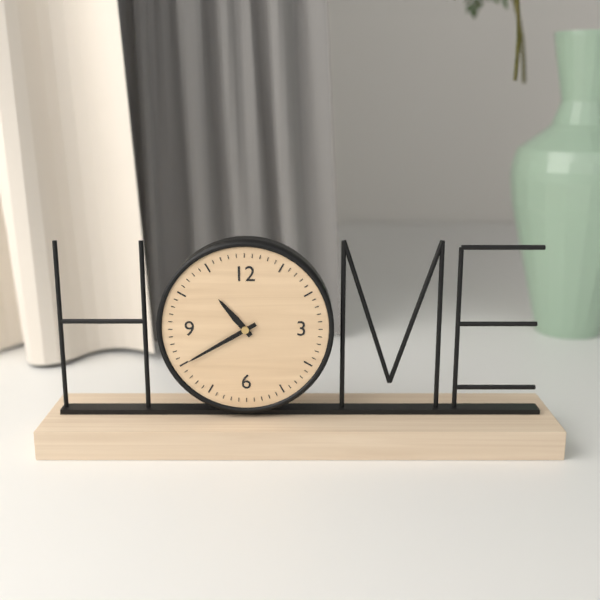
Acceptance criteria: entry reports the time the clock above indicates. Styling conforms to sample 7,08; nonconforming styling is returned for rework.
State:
10,40
